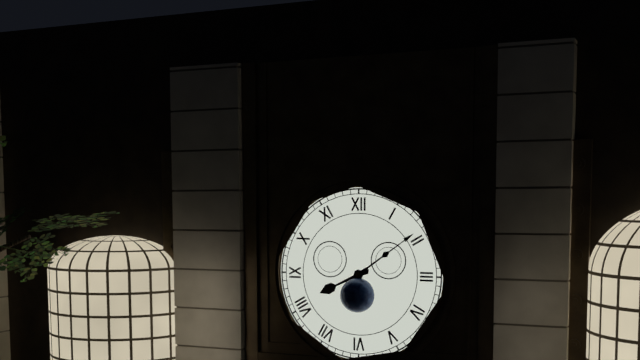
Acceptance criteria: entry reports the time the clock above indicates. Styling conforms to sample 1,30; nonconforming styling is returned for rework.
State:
8,09
